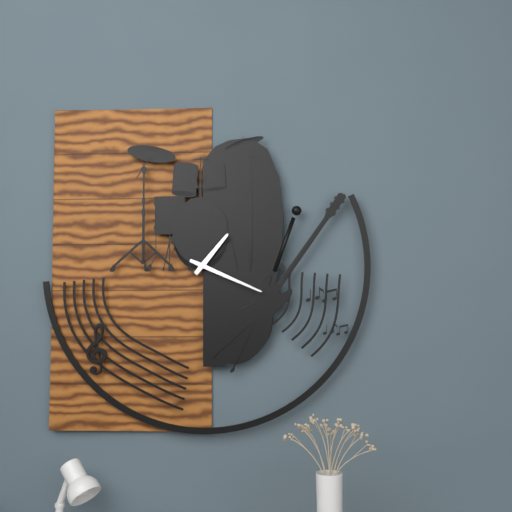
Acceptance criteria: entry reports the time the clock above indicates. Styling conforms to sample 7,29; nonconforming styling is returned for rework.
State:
1,19
